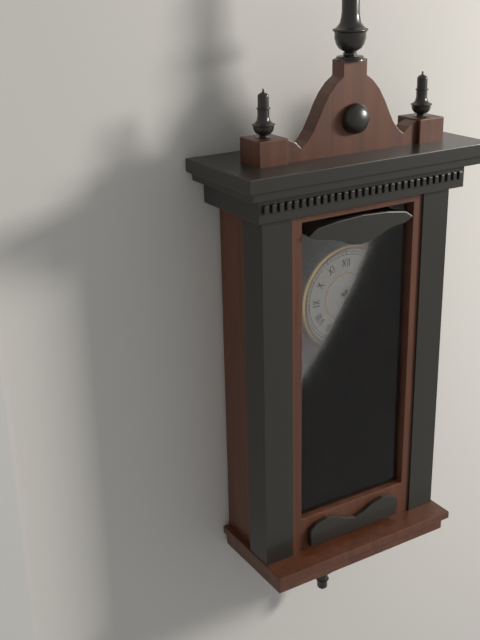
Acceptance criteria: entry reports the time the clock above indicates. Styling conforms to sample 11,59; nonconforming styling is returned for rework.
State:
4,29
